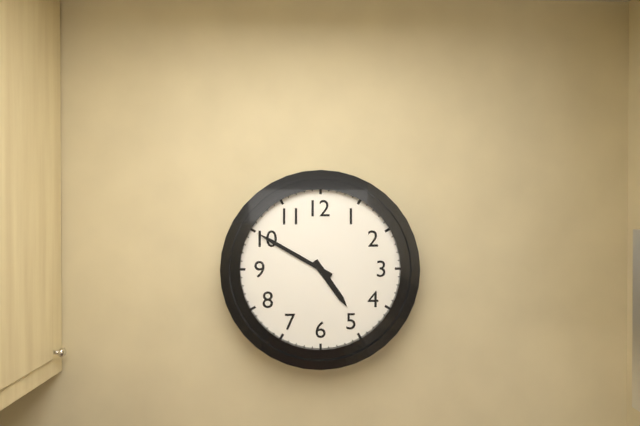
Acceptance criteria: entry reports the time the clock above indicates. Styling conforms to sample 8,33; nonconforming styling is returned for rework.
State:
4,50
